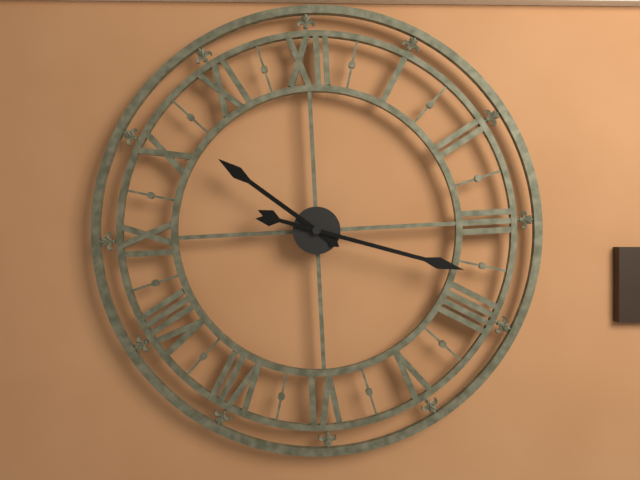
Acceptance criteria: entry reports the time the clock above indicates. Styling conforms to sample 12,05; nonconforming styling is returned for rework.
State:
10,18
